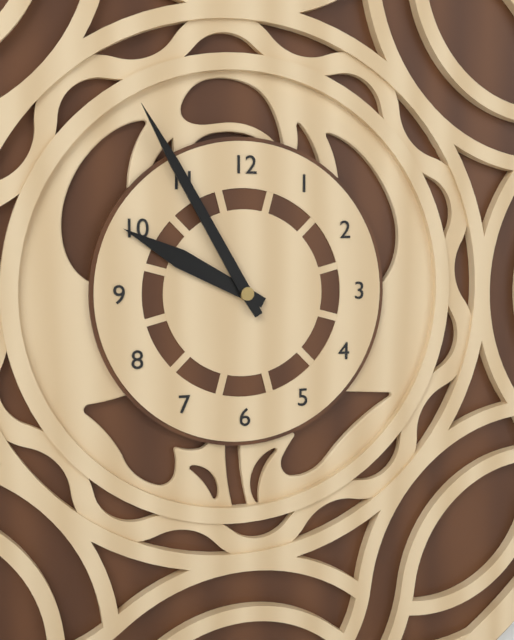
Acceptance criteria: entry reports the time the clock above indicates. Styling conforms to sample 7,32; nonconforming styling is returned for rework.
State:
9,55
